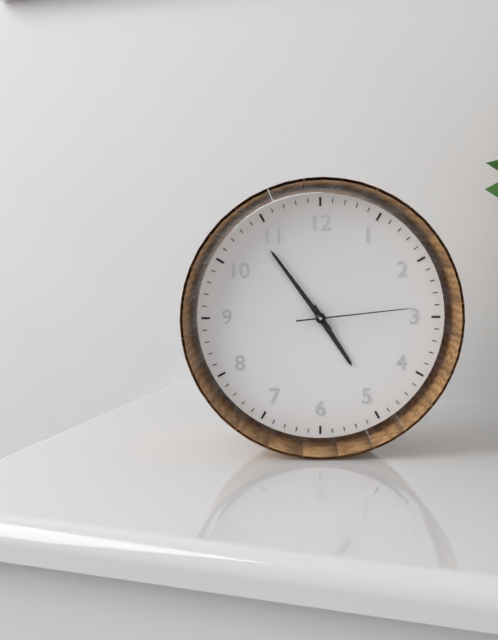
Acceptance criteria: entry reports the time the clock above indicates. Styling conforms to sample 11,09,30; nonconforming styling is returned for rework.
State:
4,54,14
